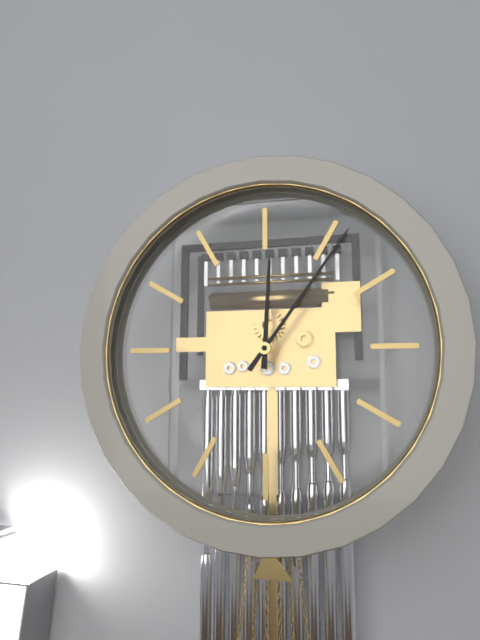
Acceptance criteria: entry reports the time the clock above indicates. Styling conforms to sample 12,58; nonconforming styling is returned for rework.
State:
12,06
